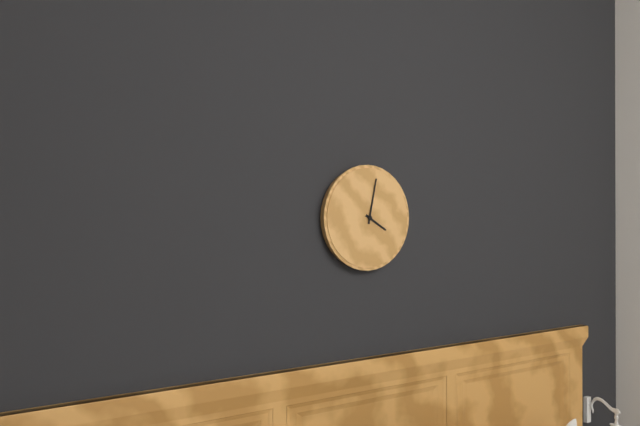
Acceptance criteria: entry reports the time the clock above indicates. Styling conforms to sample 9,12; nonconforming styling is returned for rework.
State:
4,02
